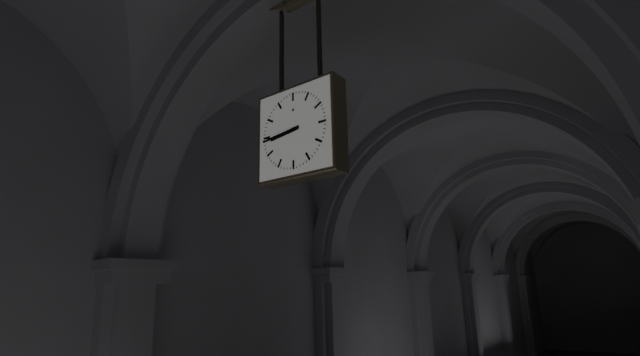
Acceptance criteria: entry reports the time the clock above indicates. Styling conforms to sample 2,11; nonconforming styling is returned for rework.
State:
8,44
